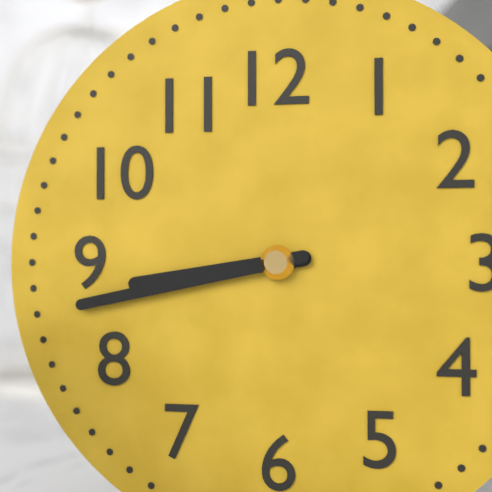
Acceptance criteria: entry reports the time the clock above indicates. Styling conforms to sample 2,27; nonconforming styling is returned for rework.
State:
8,43
